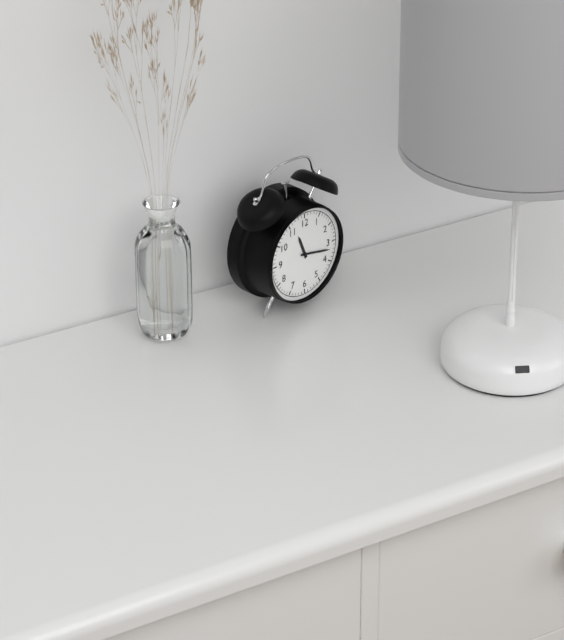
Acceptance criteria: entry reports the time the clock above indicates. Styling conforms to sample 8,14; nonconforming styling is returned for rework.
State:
11,17
